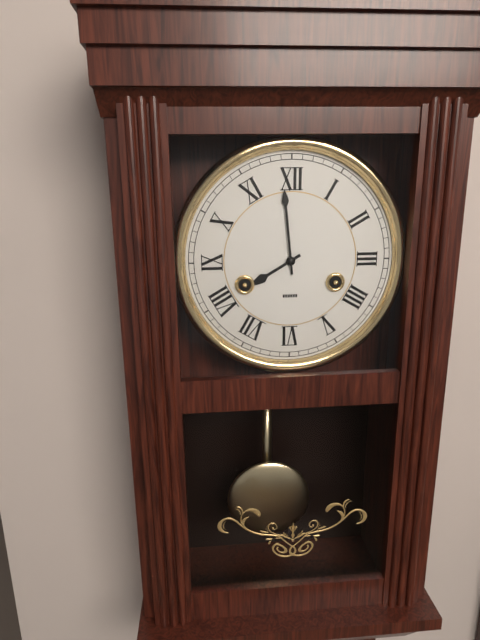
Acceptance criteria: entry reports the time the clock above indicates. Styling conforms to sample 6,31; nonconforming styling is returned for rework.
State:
7,59
